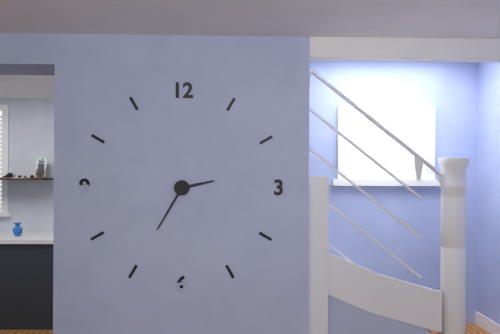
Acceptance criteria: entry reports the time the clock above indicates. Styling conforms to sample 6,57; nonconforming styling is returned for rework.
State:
2,35
